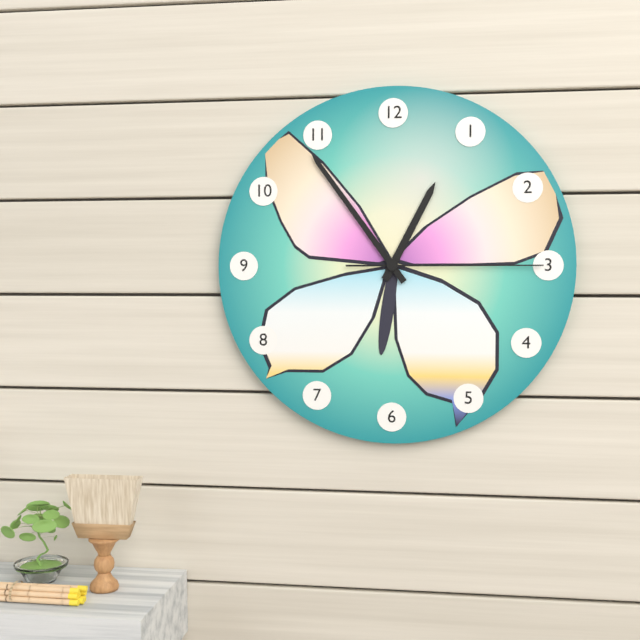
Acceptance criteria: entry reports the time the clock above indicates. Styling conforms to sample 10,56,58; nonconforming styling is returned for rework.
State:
12,54,15
